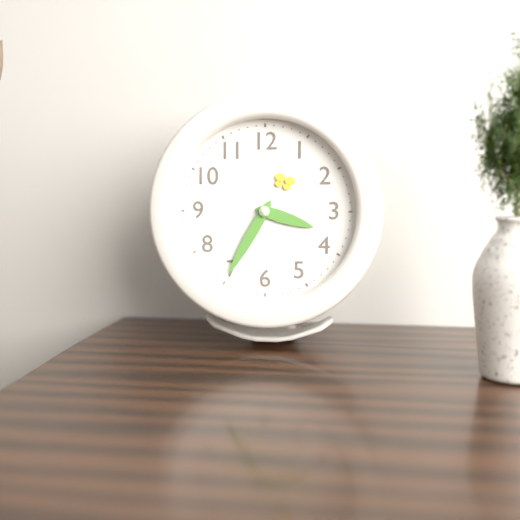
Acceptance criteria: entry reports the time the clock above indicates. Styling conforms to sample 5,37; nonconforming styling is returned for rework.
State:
3,35
